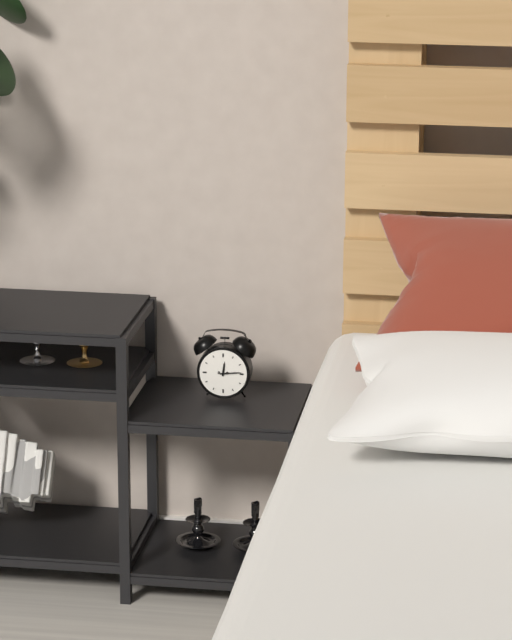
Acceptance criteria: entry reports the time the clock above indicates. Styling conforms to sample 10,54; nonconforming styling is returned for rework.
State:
12,14
